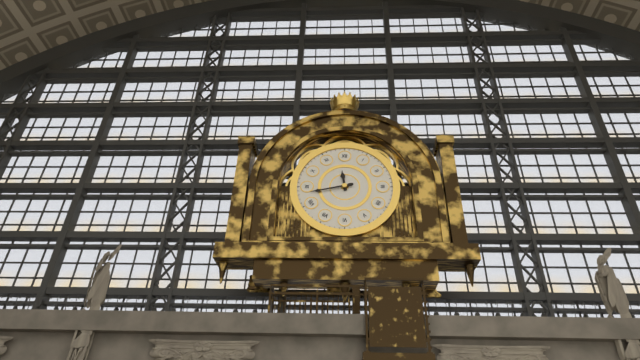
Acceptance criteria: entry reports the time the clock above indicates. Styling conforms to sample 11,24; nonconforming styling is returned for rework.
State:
11,43
